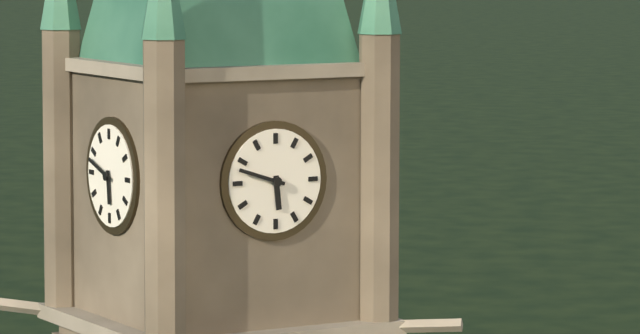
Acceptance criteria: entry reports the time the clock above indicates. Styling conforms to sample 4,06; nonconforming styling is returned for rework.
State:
5,48
